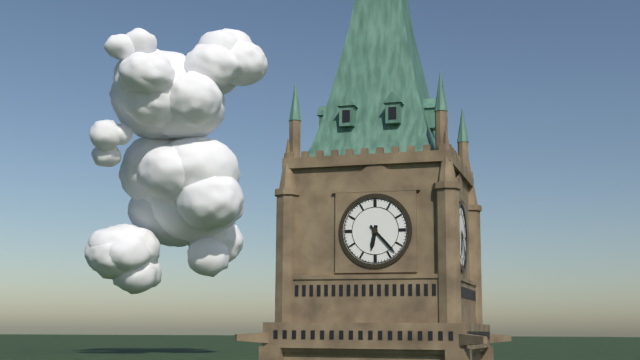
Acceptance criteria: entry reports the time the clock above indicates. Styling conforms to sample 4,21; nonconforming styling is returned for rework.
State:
6,23
